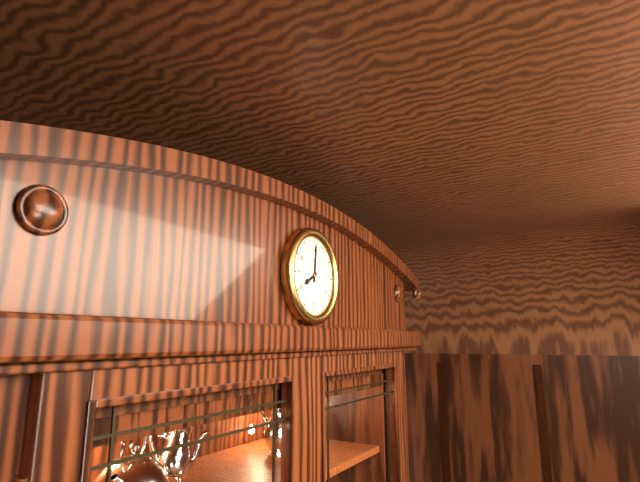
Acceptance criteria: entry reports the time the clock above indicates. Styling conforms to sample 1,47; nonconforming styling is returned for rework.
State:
8,01
